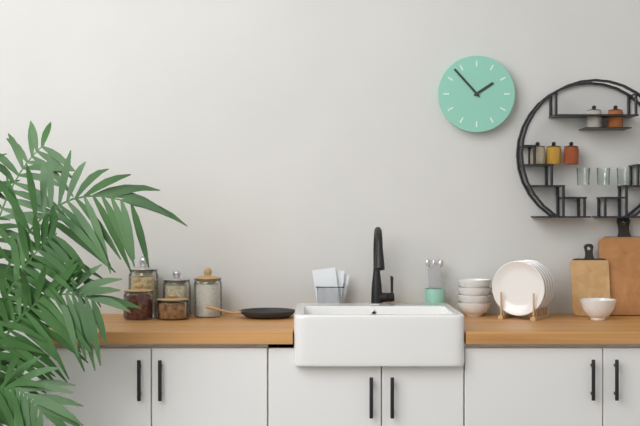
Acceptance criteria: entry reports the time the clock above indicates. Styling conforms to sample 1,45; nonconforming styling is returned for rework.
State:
1,53
